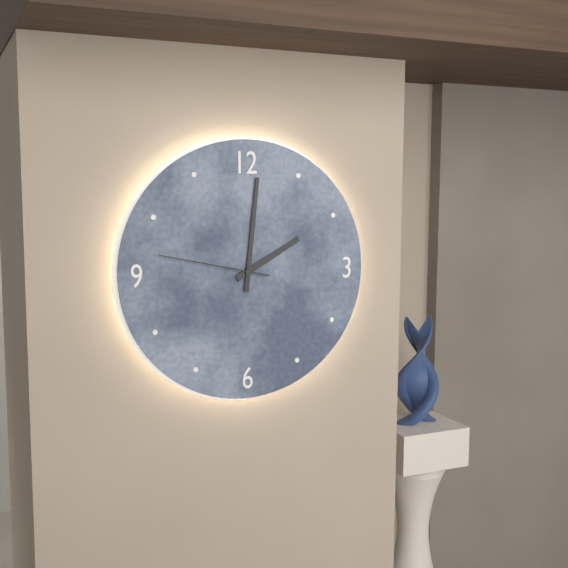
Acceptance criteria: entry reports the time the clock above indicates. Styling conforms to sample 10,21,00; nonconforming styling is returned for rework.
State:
2,01,47
